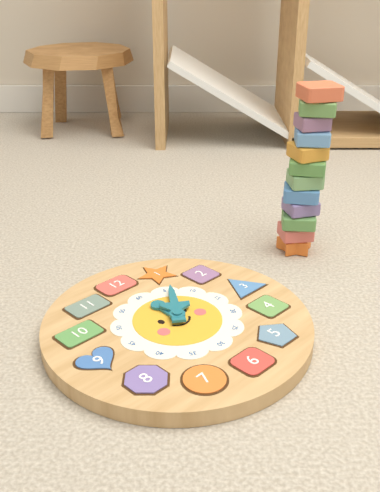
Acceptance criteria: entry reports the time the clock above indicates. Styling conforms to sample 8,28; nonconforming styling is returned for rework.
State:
12,06
